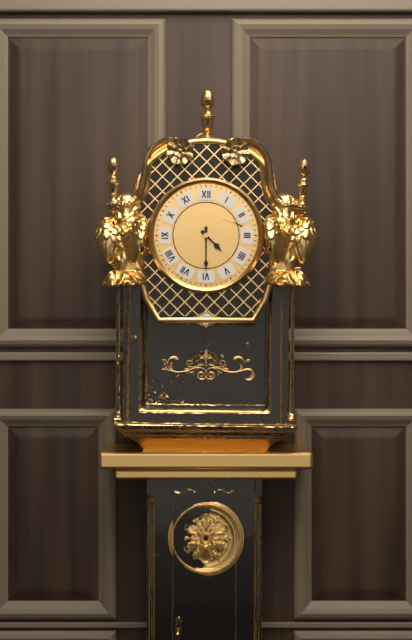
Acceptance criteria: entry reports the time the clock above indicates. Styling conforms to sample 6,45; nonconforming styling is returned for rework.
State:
4,30
